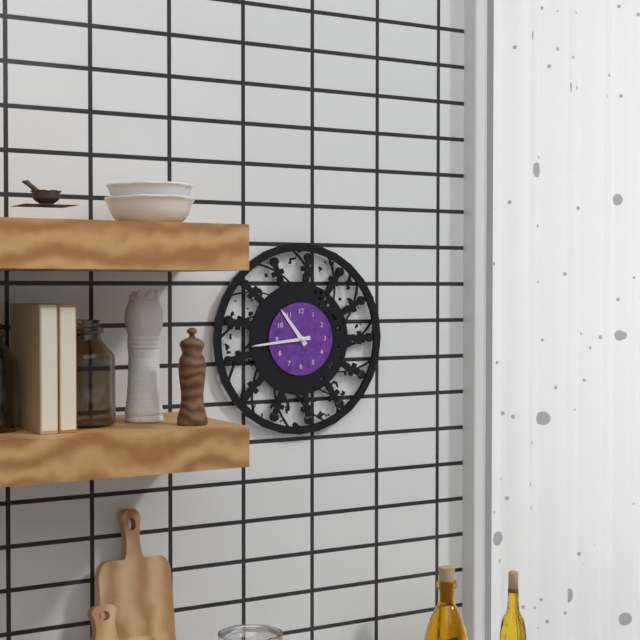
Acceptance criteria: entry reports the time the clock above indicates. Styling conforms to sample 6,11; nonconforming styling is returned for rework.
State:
10,44
